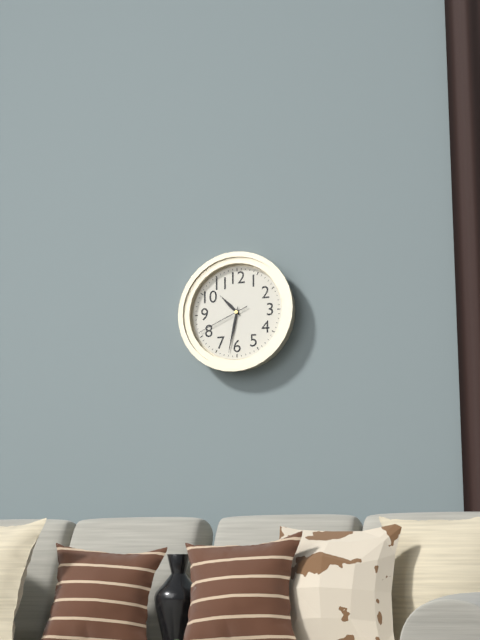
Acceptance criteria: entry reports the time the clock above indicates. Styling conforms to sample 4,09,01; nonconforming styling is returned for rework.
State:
10,32,41
